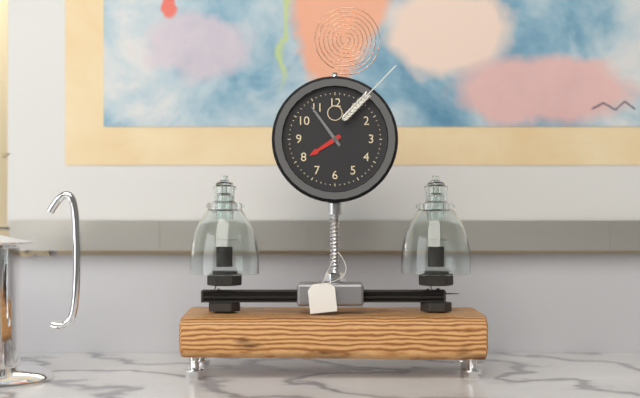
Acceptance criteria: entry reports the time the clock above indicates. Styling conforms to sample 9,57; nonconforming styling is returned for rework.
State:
7,54
